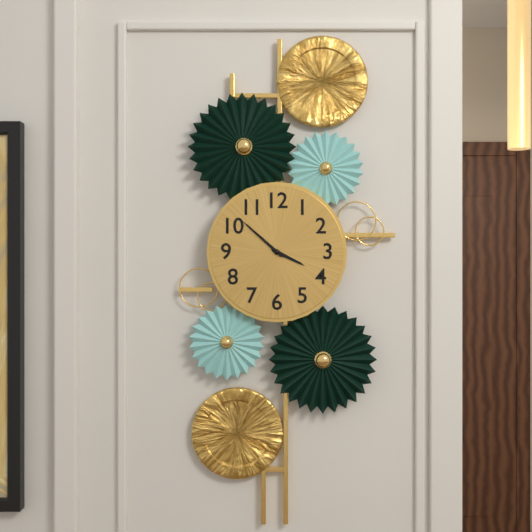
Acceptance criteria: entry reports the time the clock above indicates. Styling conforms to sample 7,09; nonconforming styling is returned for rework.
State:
3,52
